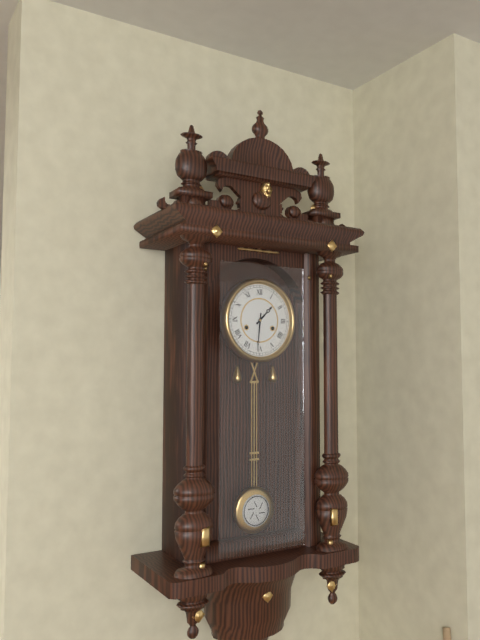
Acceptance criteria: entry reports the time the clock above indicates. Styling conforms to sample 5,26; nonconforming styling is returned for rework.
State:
1,31
